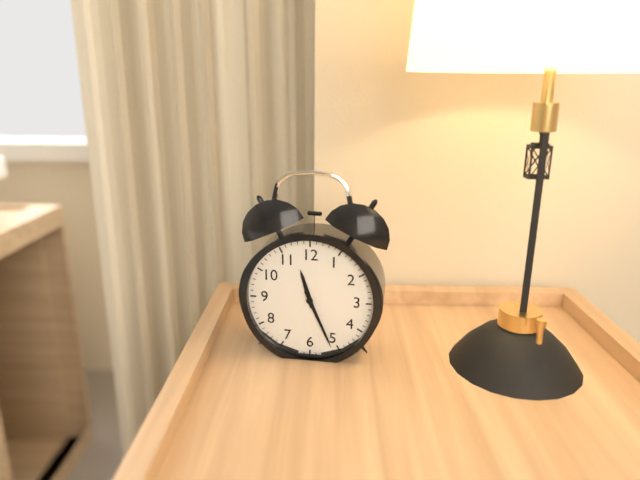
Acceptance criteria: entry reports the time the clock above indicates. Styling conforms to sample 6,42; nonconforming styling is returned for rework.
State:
11,26
